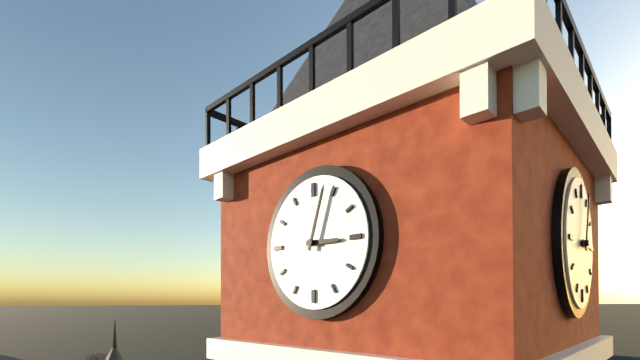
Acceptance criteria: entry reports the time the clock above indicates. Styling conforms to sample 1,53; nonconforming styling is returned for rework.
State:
3,03
